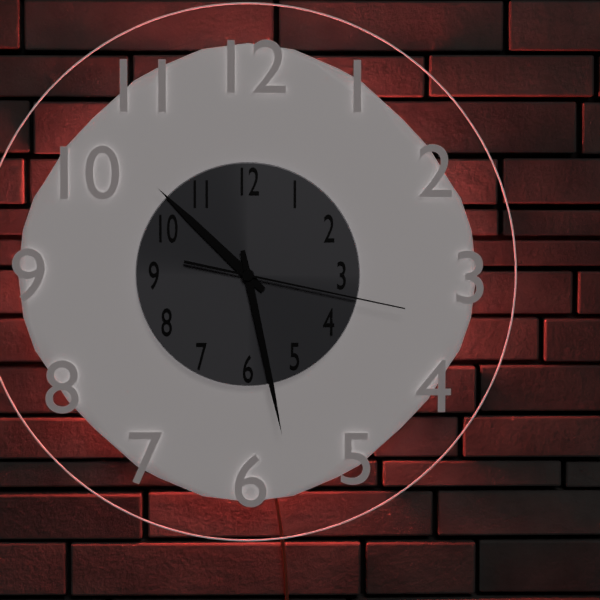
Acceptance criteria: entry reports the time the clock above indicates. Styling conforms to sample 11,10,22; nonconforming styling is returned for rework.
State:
10,28,17
